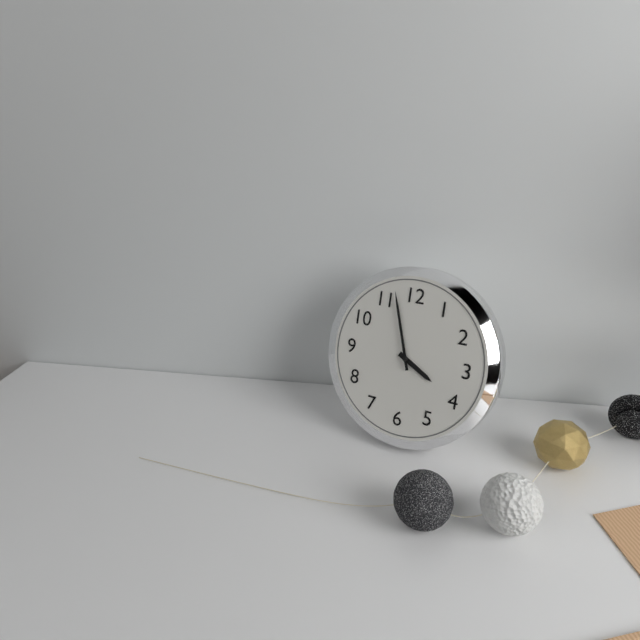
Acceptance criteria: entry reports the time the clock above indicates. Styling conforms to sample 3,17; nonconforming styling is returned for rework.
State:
3,57
